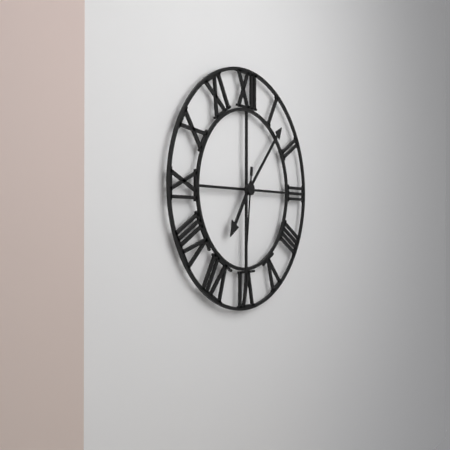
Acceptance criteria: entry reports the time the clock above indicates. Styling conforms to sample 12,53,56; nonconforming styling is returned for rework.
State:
7,07,31
